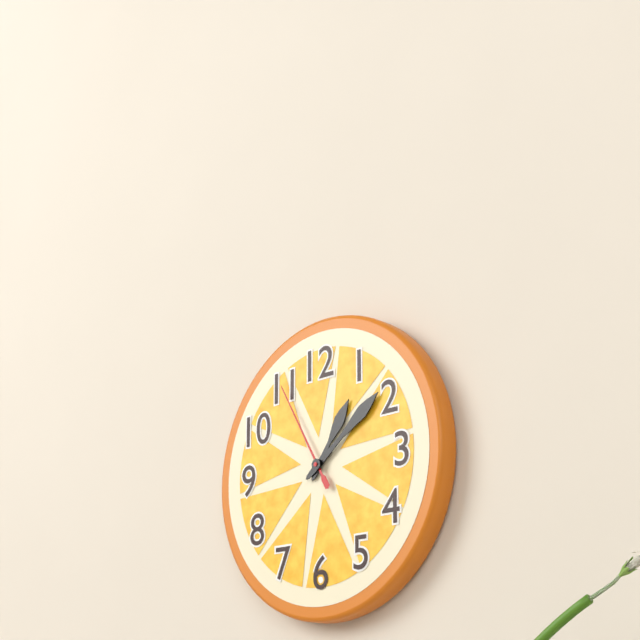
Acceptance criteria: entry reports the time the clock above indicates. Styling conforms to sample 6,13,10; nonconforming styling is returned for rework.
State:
1,09,55
